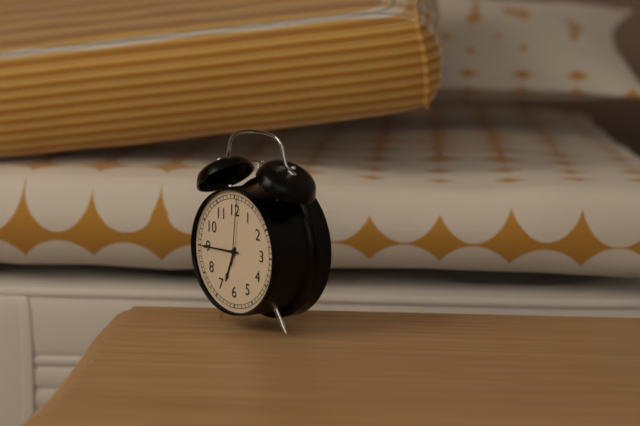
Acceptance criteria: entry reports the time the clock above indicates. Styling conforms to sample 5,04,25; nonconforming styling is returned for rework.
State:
6,45,01
